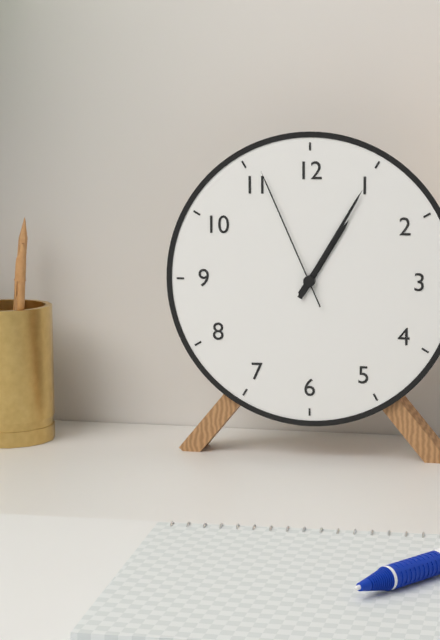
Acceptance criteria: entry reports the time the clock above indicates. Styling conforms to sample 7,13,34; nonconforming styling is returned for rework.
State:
1,05,56
